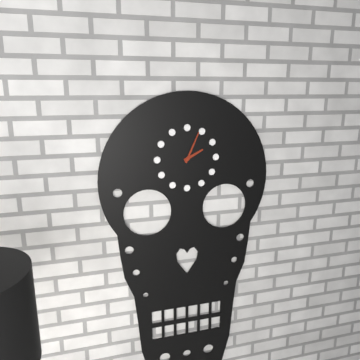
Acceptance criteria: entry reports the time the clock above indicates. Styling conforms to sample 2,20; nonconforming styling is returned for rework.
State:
2,04
